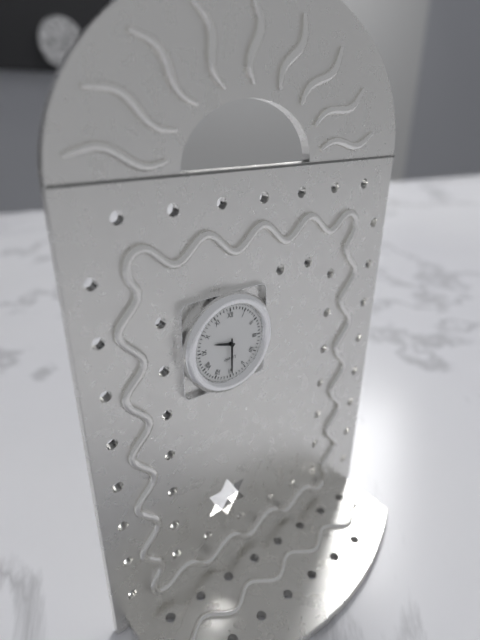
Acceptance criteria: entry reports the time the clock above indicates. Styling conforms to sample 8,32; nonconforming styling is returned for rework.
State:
9,30
